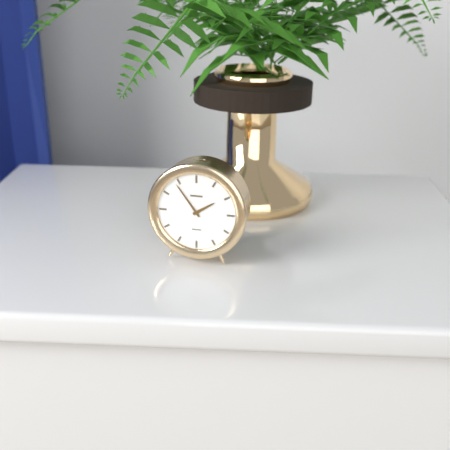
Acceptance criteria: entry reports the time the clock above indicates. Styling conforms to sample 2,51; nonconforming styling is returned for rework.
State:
1,54
